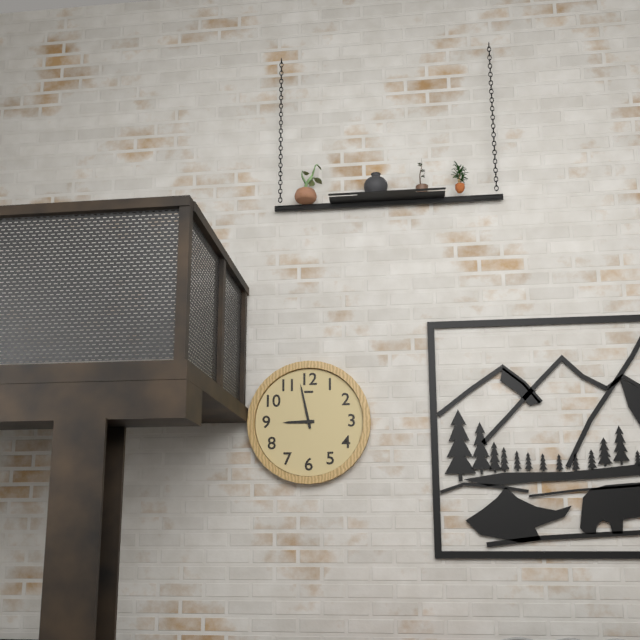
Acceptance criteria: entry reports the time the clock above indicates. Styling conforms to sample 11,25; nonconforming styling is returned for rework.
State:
8,58
